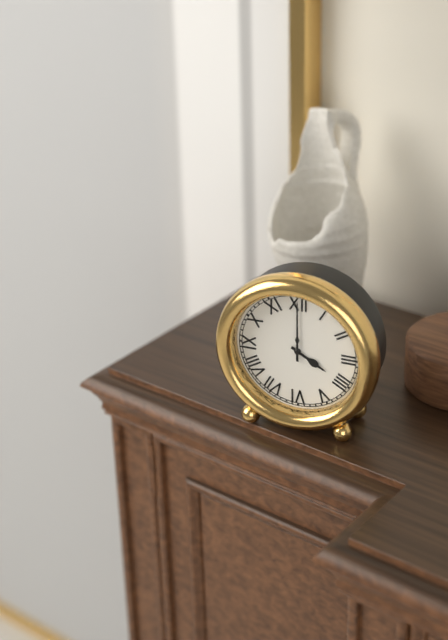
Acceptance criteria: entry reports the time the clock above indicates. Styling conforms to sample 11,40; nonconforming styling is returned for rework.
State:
4,00
